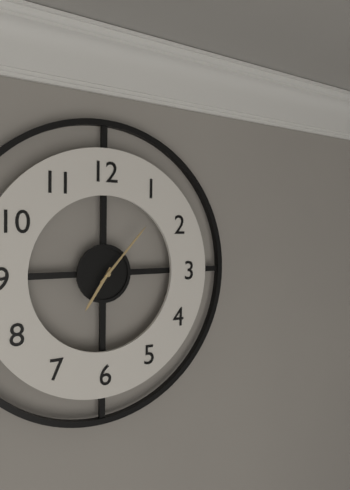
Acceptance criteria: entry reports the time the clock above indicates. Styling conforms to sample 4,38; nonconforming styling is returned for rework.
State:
7,07
